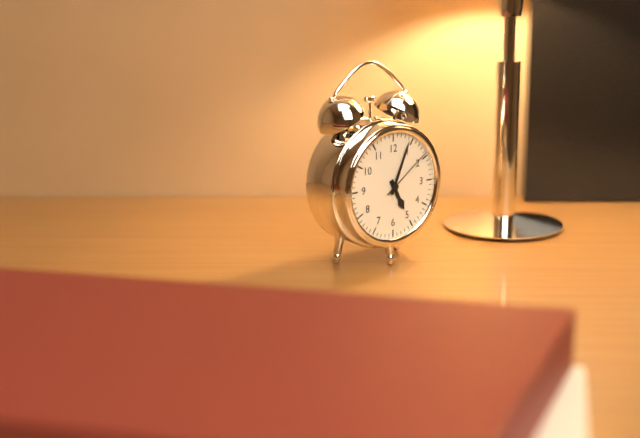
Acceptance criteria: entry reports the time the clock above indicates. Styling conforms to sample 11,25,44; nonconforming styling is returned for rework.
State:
5,04,09
